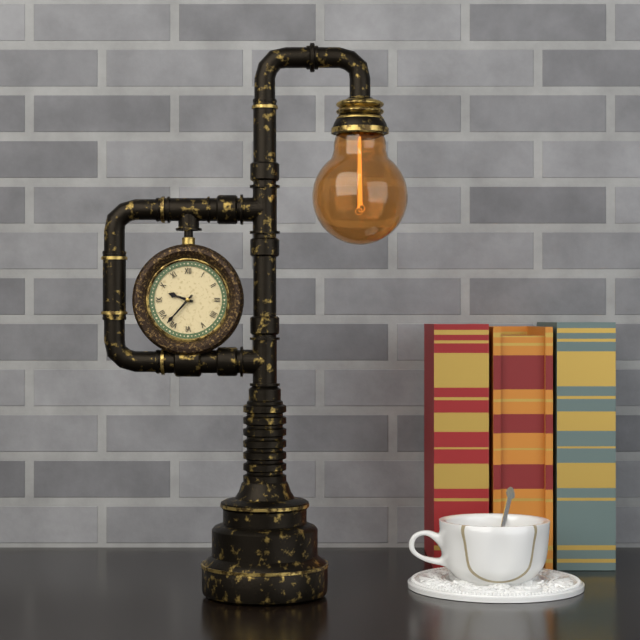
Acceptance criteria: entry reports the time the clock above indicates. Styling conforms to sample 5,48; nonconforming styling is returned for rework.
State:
9,37
